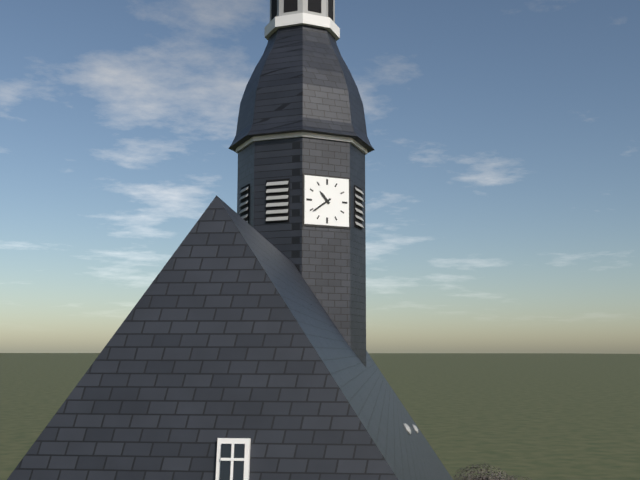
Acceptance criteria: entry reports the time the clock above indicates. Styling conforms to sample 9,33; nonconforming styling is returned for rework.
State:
10,39
